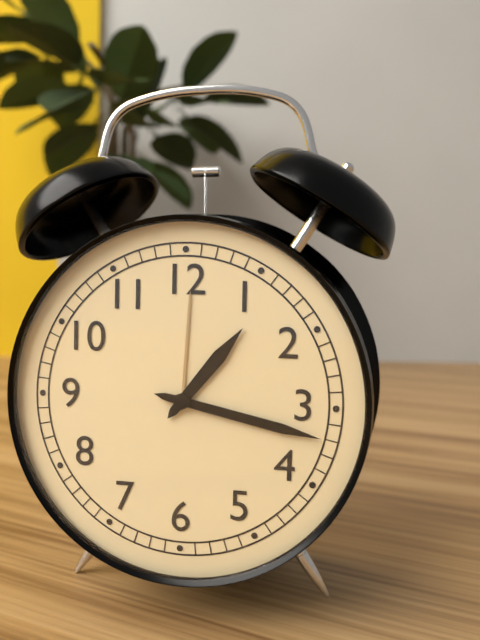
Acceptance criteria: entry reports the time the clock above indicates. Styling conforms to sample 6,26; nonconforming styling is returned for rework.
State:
1,17
